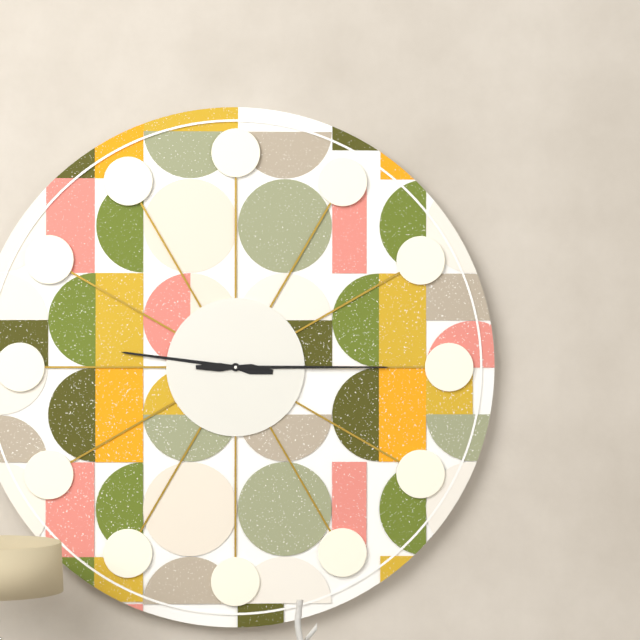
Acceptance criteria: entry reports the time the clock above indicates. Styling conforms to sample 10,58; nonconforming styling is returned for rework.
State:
9,15
